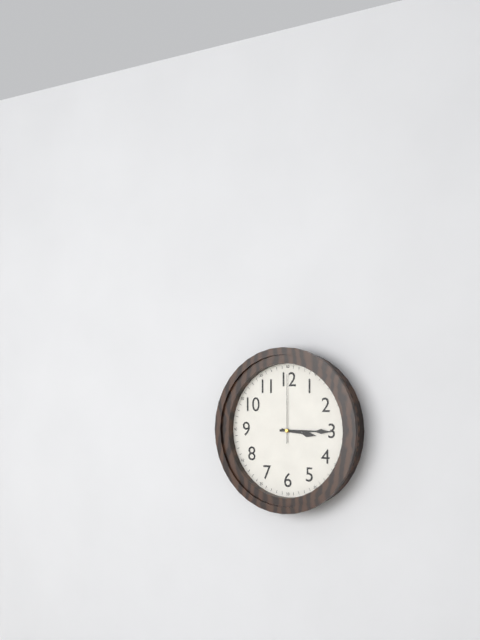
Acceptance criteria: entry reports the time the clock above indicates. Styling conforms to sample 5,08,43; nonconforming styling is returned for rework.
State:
3,15,00
